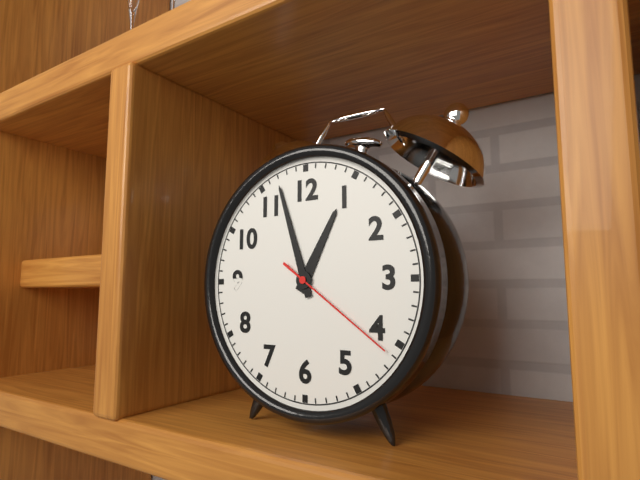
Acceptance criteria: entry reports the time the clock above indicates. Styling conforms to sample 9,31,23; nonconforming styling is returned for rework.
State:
12,57,21
